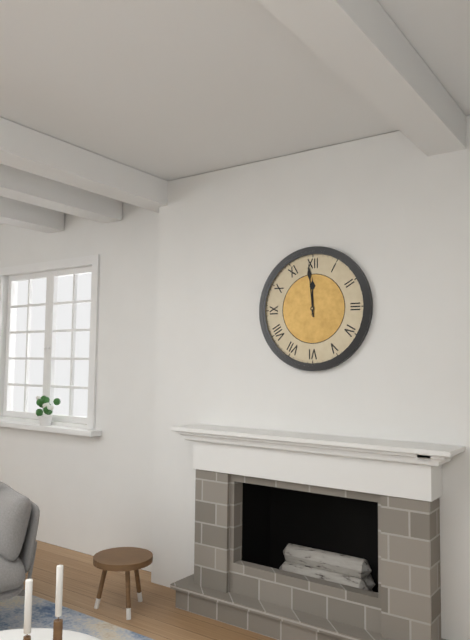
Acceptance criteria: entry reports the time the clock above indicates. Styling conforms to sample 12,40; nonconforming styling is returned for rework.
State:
11,59
